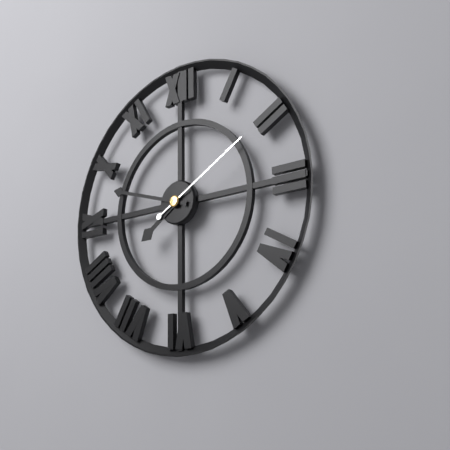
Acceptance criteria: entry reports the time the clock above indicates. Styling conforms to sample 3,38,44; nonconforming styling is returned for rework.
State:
7,48,10
